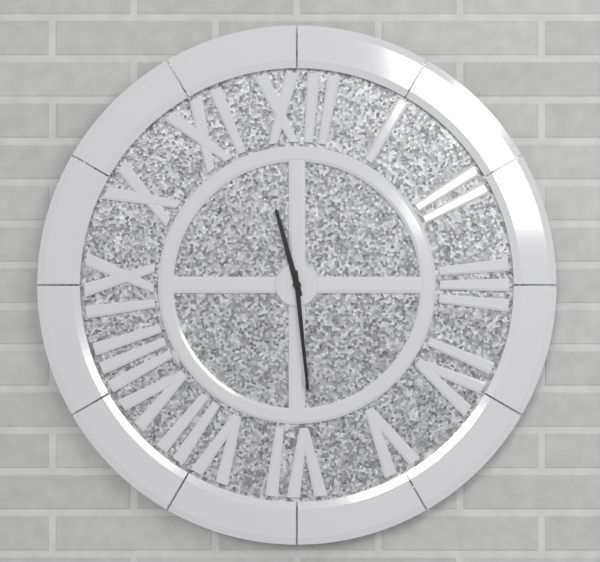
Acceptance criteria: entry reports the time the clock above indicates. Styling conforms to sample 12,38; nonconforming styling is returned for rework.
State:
11,29
